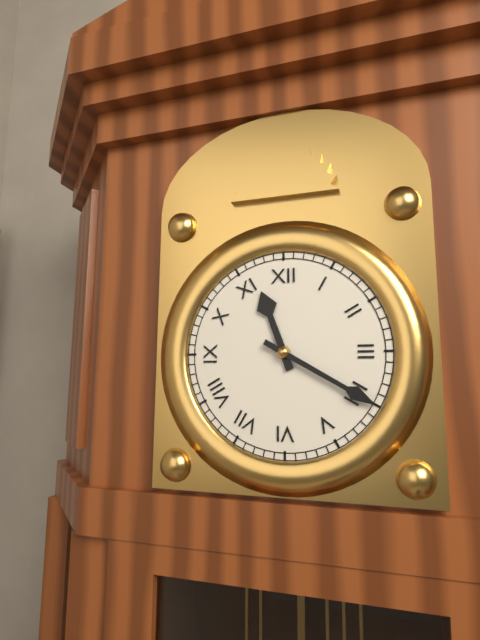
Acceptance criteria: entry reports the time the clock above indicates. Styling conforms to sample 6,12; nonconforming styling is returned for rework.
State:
11,20
